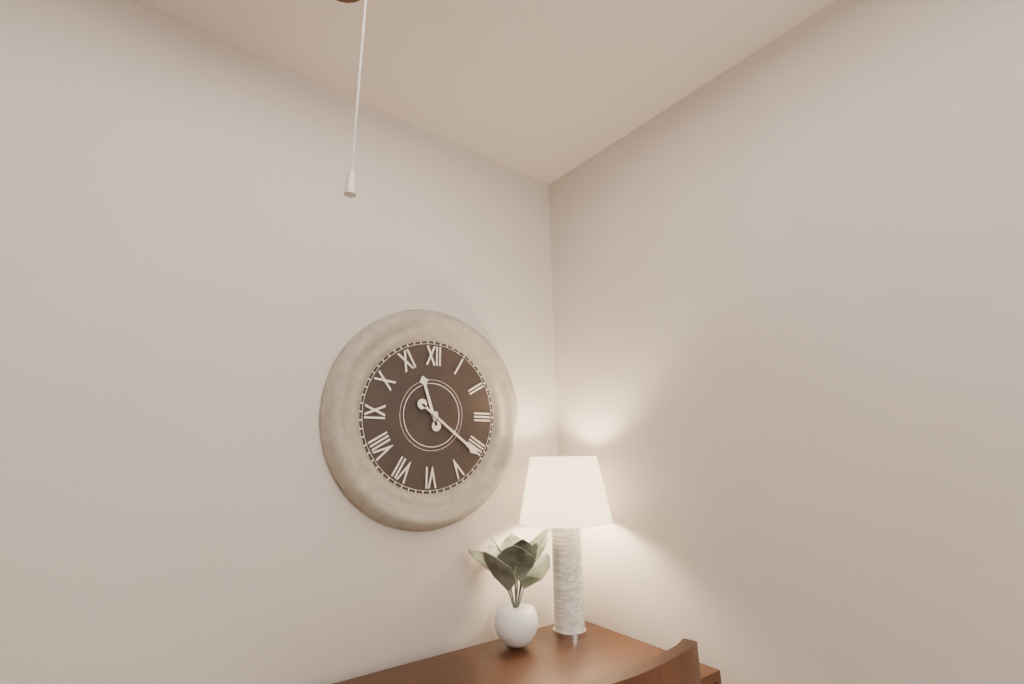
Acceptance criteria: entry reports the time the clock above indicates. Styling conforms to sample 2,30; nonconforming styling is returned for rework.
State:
11,21
